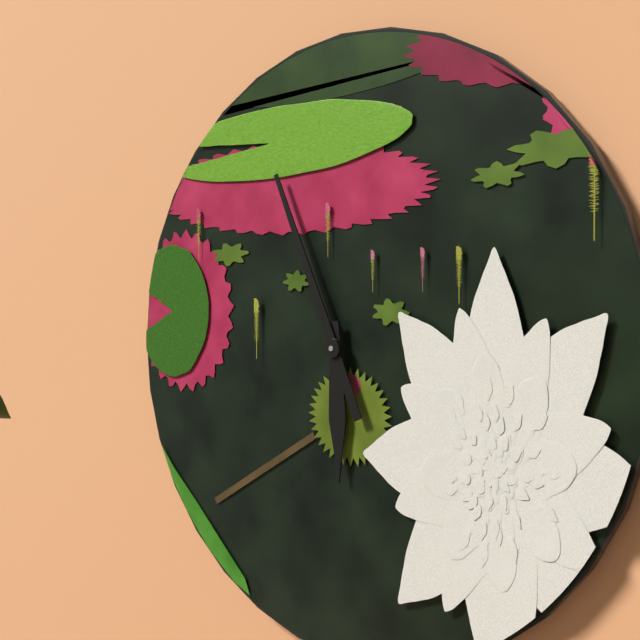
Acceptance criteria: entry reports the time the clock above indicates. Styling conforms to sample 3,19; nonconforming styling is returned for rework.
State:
5,56
